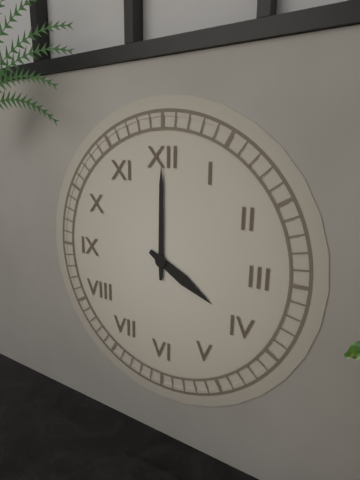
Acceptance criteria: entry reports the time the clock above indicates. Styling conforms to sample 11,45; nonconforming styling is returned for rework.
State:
4,00
